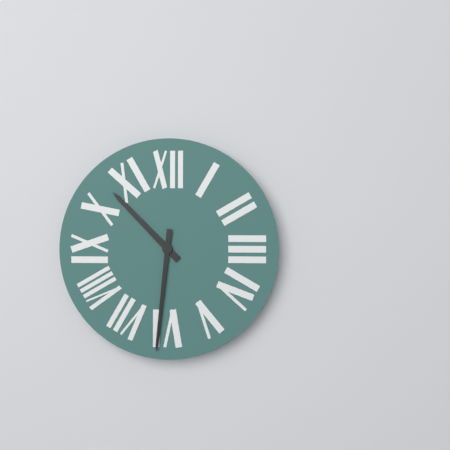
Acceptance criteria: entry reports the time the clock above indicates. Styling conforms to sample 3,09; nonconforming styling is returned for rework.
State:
10,31
